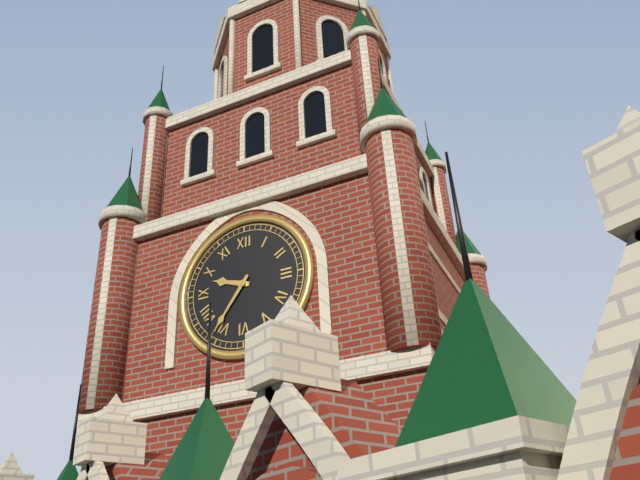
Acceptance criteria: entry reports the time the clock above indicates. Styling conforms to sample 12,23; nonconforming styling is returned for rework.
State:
9,36
